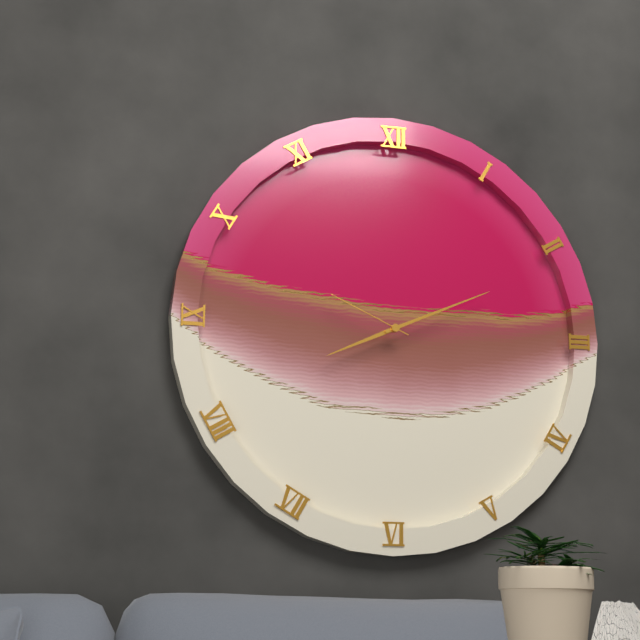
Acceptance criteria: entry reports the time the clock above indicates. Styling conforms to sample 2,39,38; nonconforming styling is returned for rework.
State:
8,11,49
